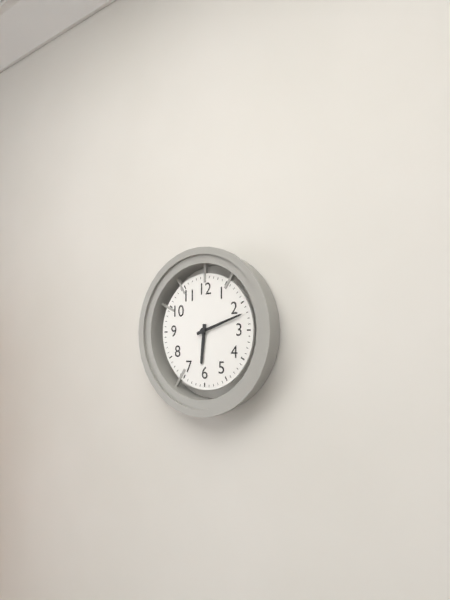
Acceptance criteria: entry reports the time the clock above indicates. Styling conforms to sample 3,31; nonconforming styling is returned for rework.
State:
6,12
